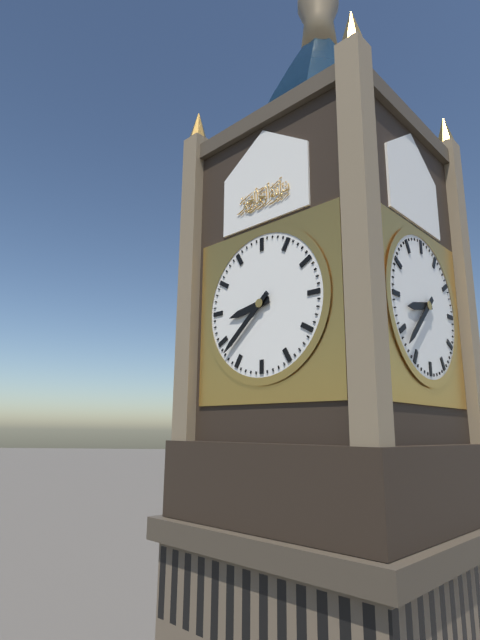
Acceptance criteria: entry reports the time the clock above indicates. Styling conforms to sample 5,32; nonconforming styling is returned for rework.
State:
8,38
